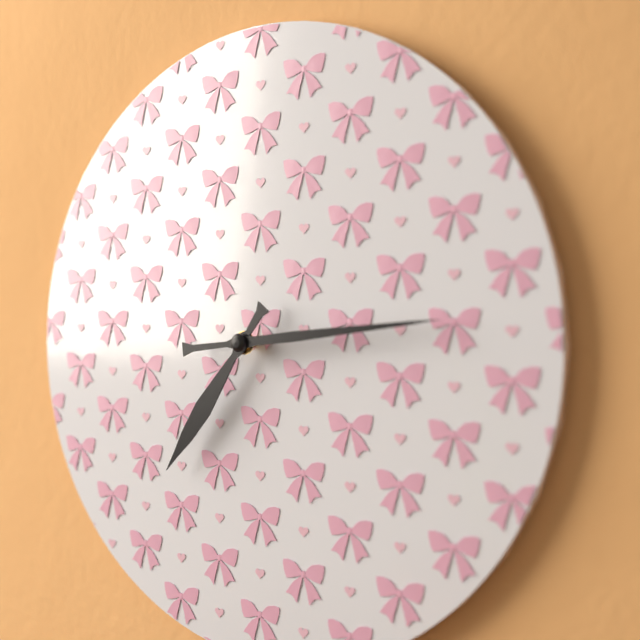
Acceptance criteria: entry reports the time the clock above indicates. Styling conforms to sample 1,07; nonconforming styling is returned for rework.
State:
7,14
